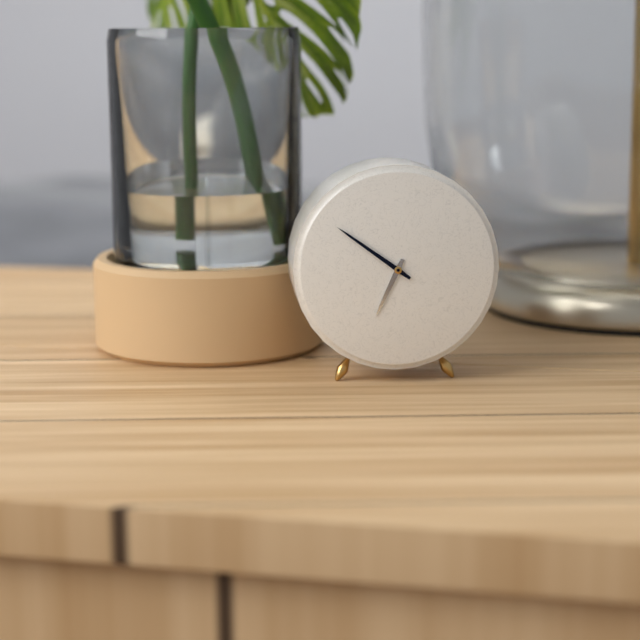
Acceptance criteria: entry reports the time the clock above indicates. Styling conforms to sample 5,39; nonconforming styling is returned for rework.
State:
6,51
